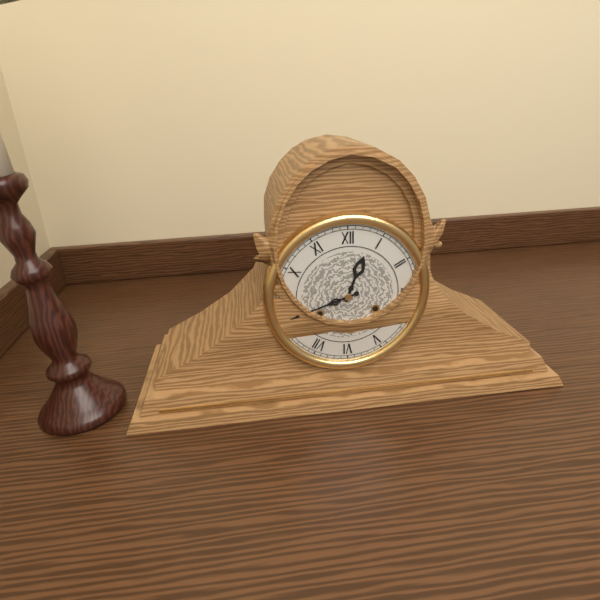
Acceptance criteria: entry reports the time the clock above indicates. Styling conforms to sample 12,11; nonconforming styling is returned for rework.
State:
12,42
